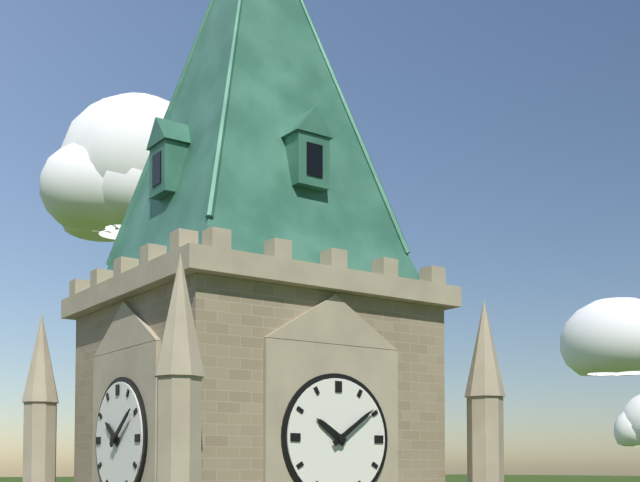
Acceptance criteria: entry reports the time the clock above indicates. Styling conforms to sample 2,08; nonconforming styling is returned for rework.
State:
10,09
